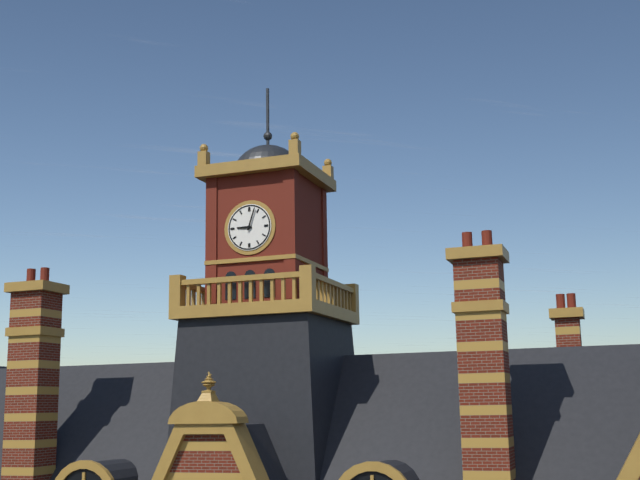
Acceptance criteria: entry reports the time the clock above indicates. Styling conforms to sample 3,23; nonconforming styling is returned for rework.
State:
9,03
